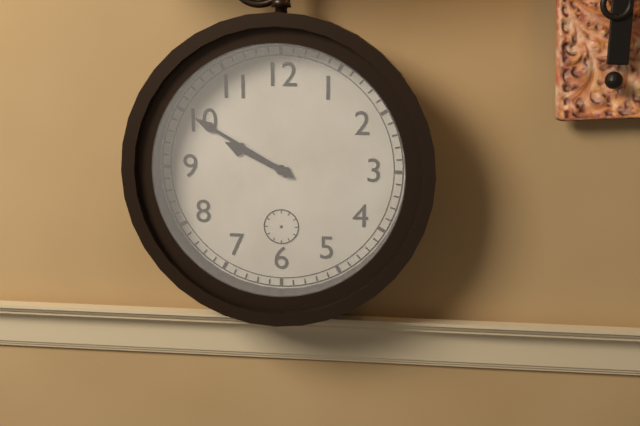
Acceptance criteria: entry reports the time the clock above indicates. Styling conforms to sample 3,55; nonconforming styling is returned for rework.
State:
9,50
